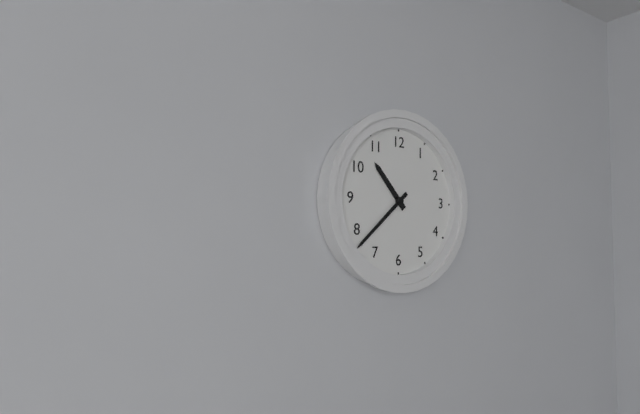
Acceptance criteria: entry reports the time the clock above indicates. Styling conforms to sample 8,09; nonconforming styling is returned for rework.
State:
10,38
